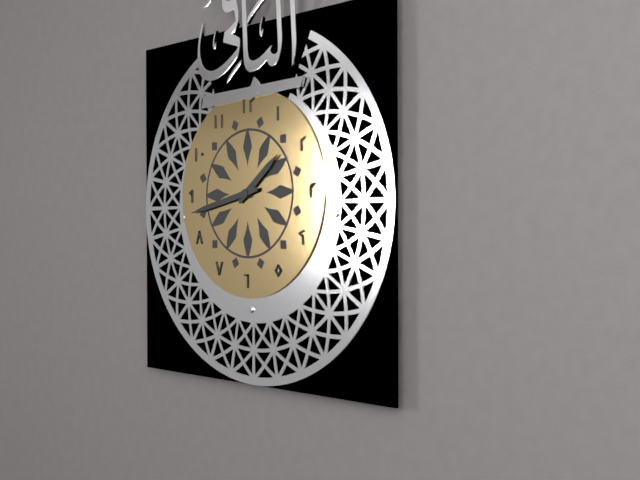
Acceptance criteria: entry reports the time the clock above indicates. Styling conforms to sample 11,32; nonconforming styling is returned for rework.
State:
1,43
